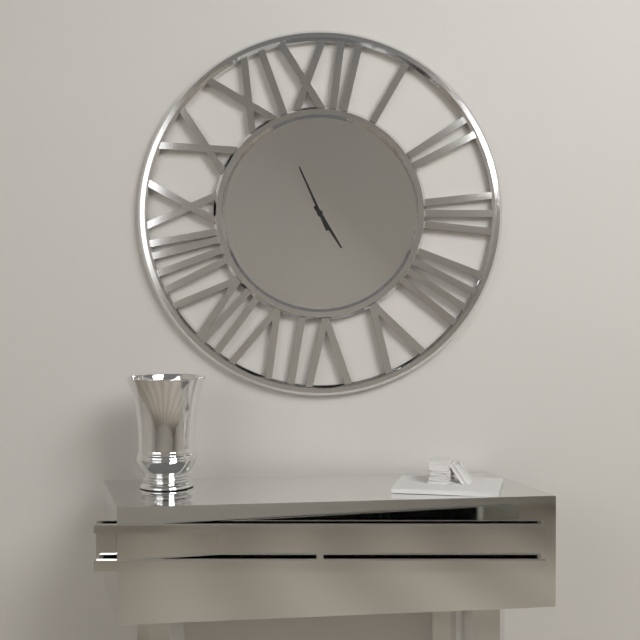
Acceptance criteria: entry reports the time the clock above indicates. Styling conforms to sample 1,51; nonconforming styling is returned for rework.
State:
4,56
